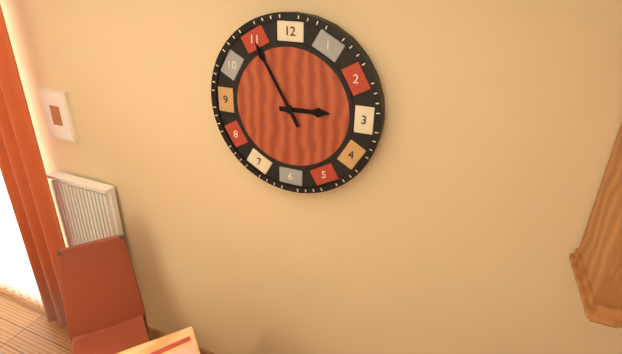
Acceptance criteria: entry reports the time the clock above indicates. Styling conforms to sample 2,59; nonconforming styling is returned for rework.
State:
2,55
